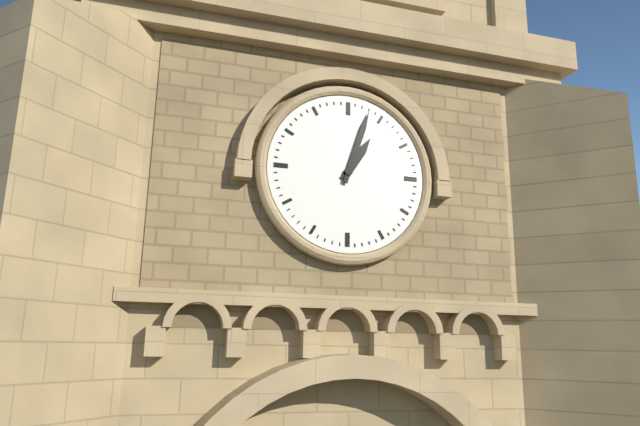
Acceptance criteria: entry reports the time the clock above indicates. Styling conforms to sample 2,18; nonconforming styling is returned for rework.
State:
1,03
